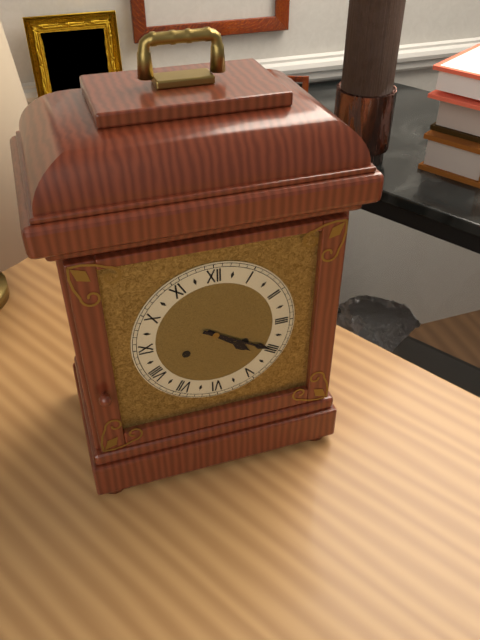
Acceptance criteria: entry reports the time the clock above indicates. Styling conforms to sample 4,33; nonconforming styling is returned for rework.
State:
4,20
